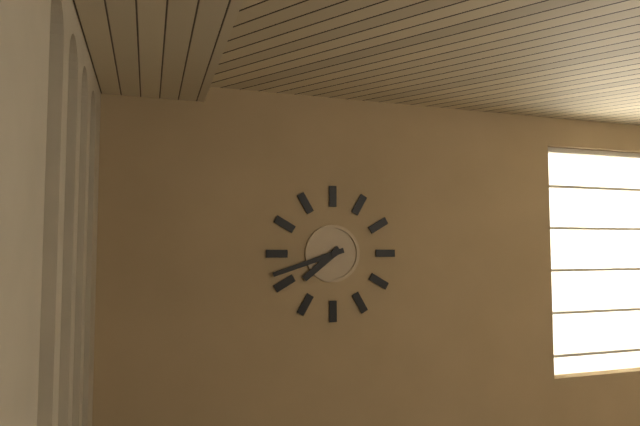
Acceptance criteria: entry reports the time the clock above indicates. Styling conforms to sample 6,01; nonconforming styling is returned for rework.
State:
7,42
